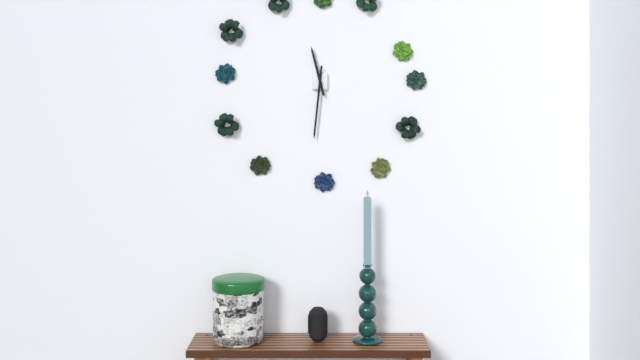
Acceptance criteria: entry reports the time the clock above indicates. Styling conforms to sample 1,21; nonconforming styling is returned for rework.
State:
11,31
